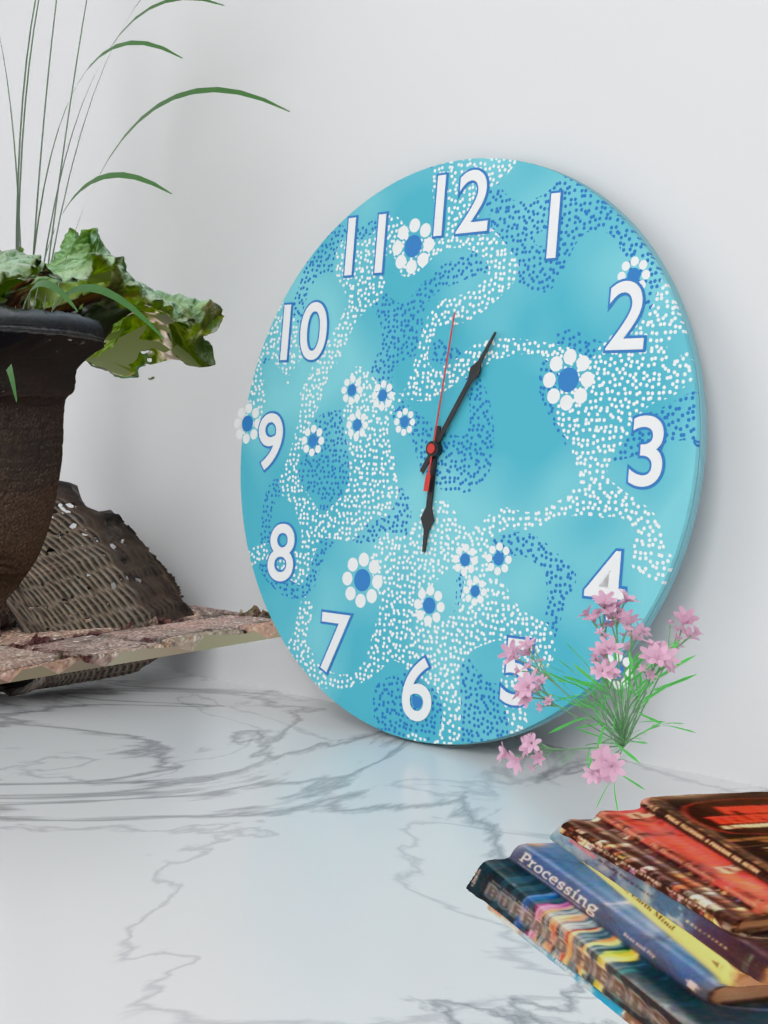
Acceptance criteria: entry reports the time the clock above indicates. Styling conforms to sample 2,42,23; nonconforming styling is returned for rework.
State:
6,05,01
